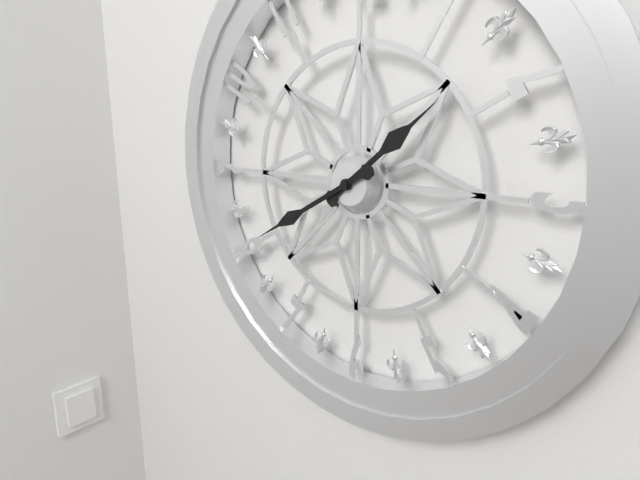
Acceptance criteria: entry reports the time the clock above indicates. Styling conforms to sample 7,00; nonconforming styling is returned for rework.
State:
1,40
